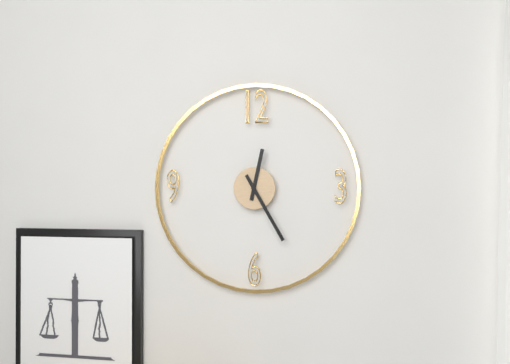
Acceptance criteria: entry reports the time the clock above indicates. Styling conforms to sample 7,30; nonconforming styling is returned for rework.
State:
12,25
